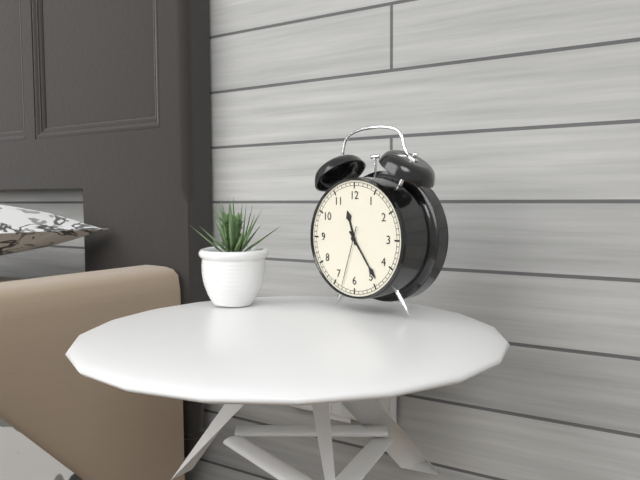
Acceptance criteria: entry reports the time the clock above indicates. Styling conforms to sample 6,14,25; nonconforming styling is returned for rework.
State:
11,24,33
